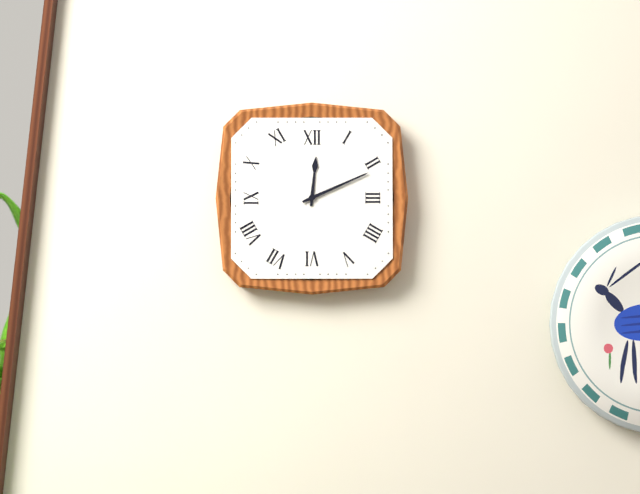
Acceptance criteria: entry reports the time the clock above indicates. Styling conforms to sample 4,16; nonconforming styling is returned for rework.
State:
12,11
